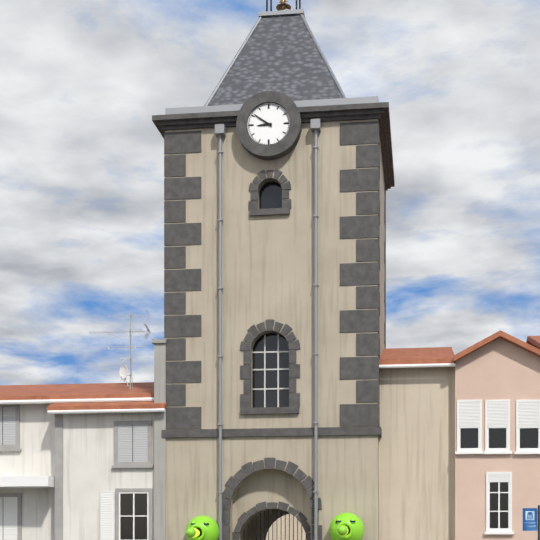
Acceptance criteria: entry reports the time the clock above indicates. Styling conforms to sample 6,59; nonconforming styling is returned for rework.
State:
8,51
